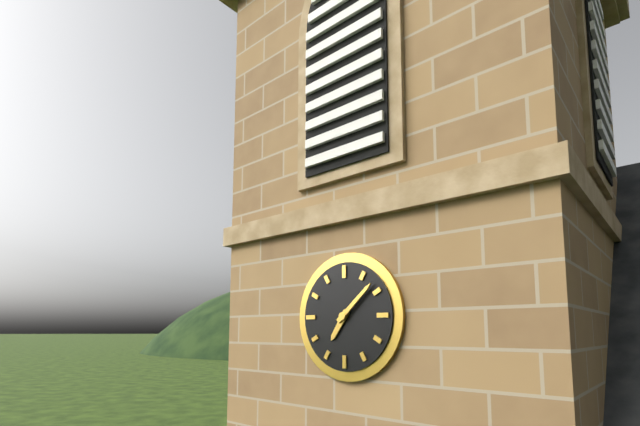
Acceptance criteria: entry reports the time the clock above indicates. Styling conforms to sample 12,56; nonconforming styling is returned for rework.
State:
7,08
